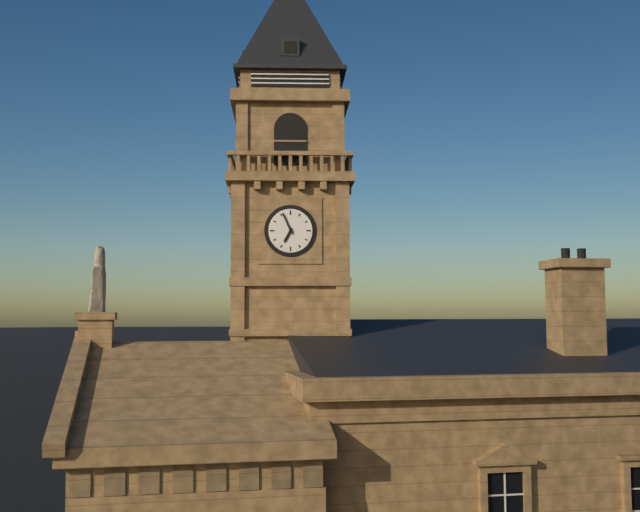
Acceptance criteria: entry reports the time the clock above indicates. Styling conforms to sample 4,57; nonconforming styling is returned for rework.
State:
6,56
